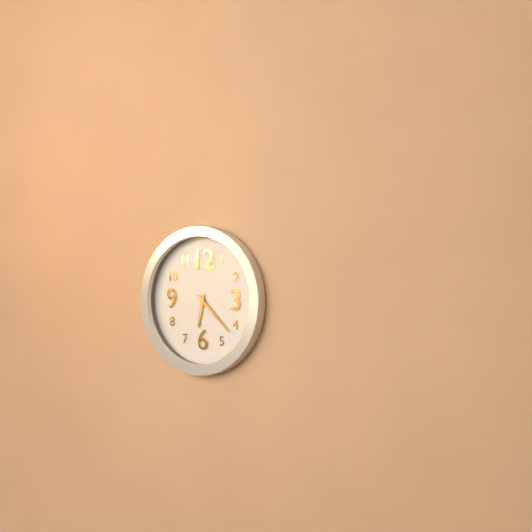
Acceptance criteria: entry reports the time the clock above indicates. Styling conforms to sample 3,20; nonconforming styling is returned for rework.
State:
6,22
